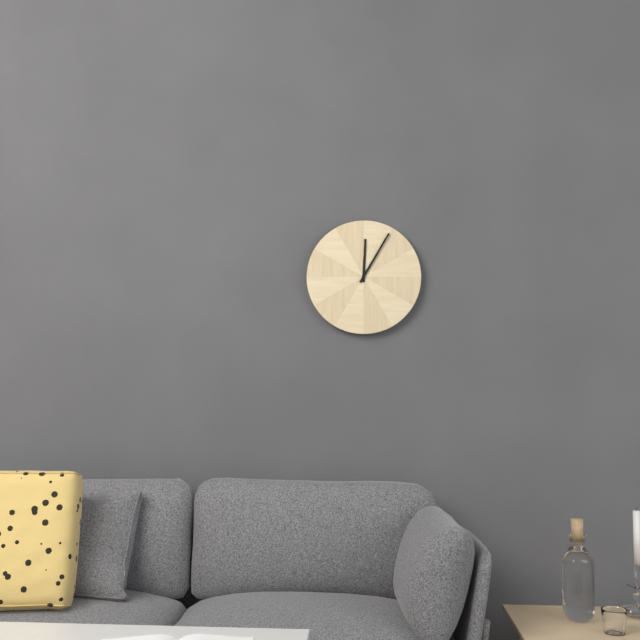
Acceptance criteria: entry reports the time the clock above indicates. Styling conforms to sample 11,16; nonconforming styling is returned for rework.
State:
12,05
